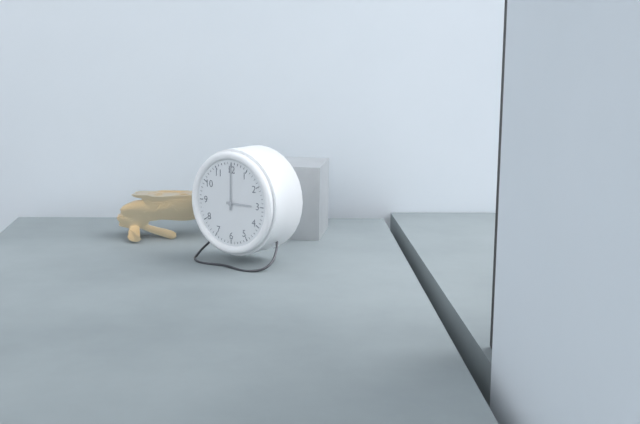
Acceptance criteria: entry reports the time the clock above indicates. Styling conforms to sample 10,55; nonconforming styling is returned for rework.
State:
3,00
